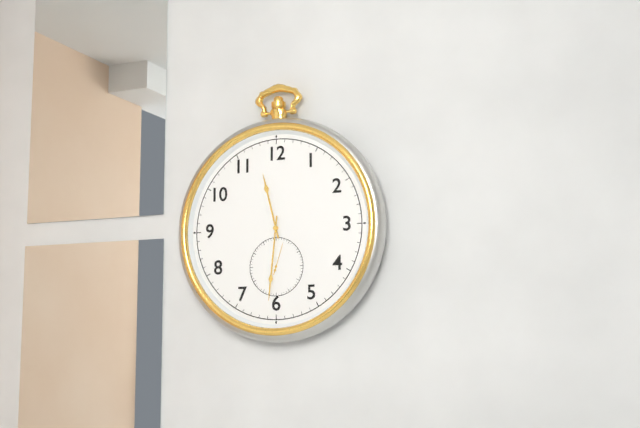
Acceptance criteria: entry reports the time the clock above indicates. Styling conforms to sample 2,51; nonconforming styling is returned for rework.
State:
11,31
